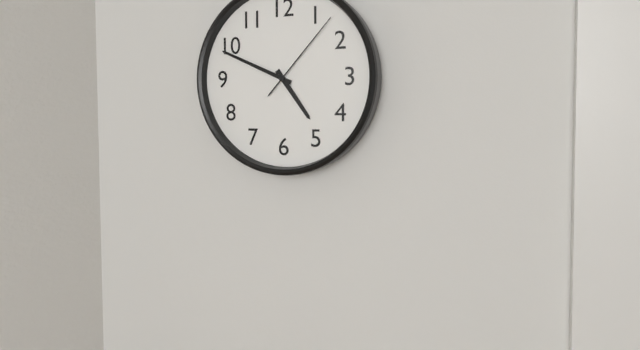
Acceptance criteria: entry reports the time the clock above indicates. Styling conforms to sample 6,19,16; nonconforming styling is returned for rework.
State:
4,49,07
